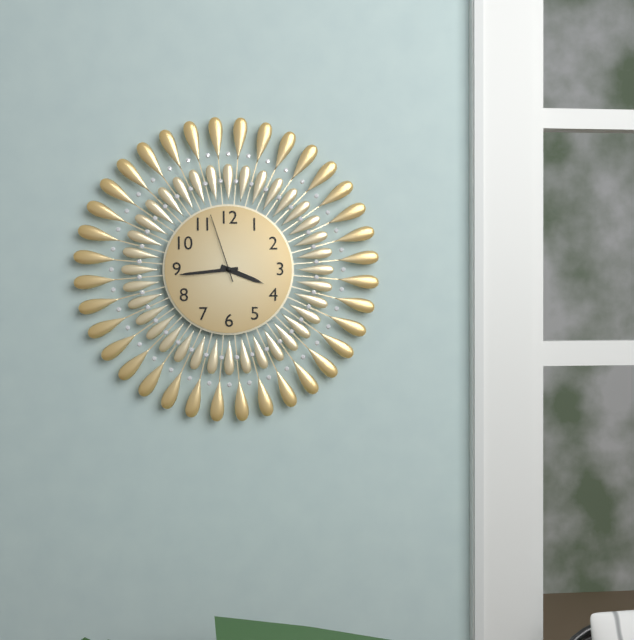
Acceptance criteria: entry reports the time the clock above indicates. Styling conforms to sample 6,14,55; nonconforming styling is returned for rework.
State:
3,44,57
